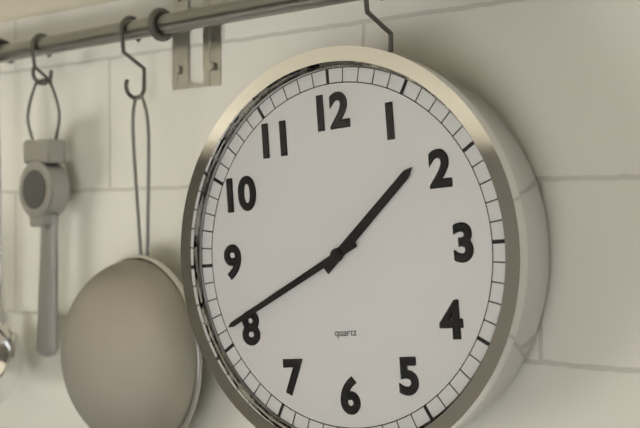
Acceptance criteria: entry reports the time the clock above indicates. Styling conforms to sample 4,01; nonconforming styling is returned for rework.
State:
1,41
